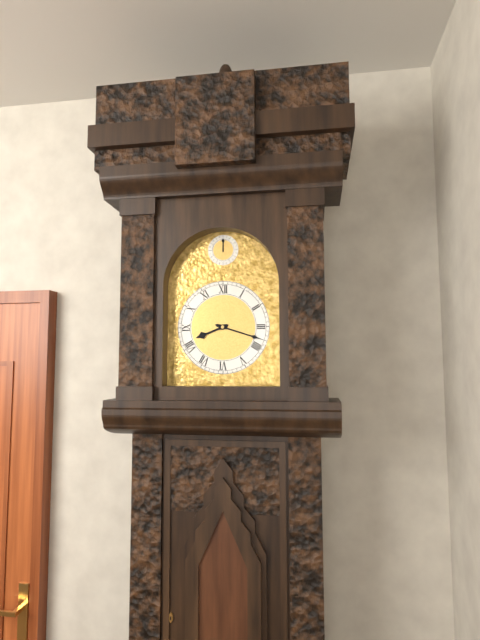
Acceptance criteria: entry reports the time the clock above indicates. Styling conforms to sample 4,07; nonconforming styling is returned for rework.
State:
8,18
